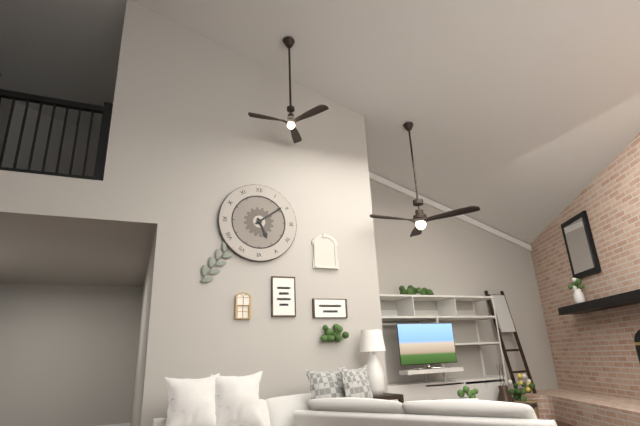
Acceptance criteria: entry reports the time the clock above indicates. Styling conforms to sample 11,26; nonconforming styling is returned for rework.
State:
5,09
